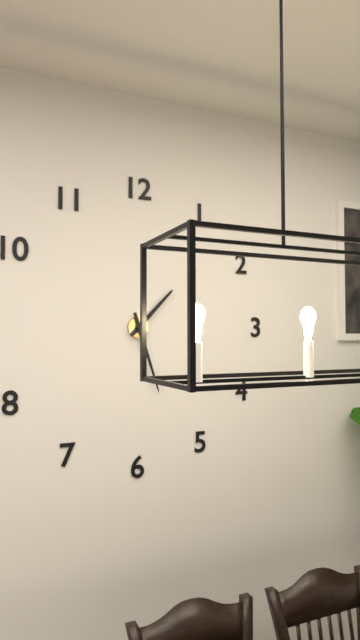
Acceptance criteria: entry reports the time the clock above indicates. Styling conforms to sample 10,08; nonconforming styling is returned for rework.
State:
1,27
